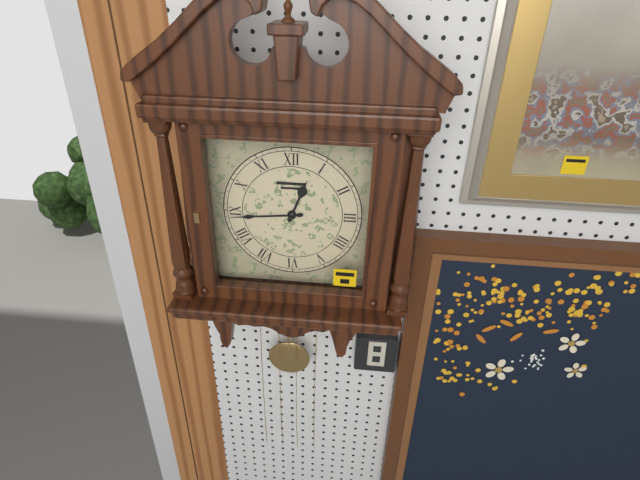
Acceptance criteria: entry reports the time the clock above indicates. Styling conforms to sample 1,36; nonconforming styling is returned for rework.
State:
12,44
